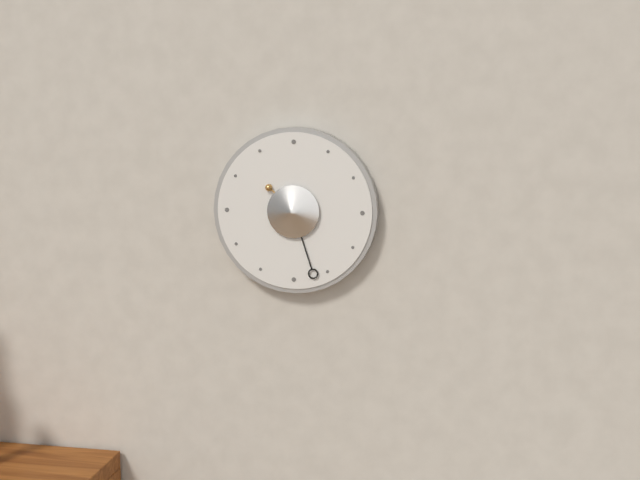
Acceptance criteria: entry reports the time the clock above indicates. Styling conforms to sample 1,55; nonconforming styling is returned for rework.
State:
10,27
